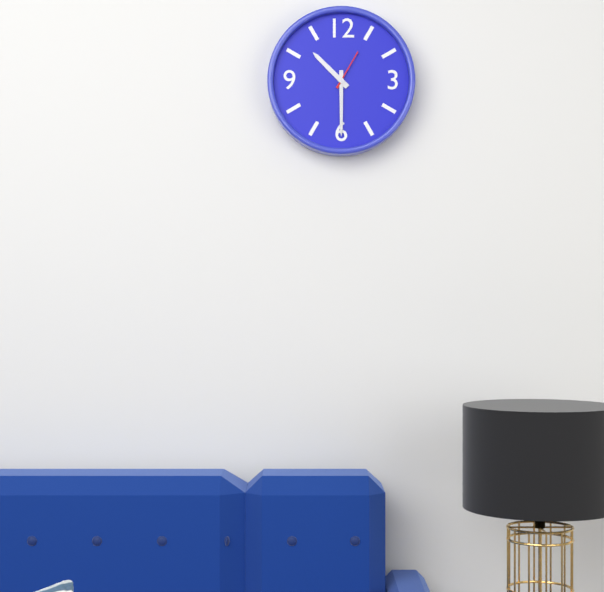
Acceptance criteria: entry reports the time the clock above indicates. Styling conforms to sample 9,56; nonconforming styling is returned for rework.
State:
10,30
